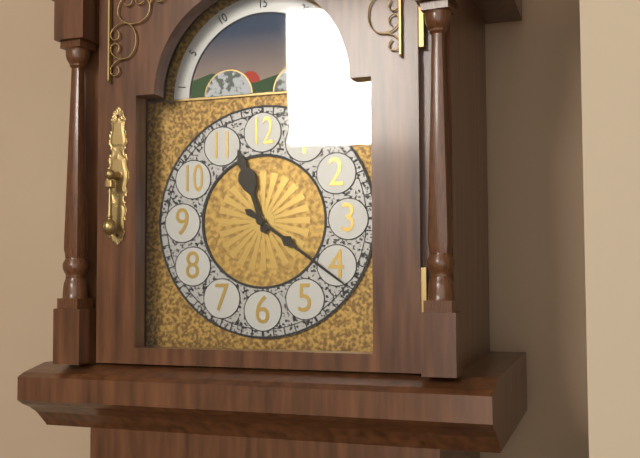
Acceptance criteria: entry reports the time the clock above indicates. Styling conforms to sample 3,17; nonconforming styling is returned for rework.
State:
11,21
